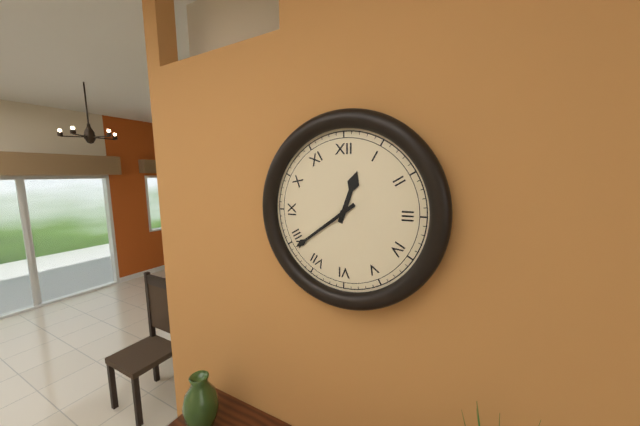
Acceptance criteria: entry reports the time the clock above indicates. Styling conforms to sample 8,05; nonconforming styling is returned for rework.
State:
12,39
